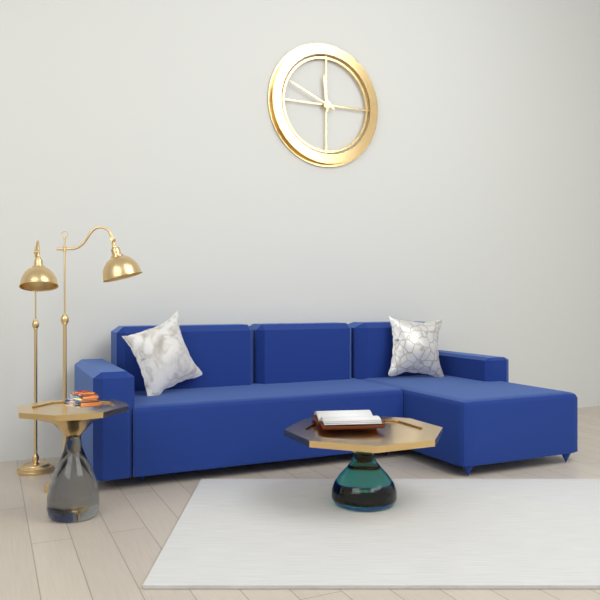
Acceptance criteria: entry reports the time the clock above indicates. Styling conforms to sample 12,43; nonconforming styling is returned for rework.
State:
11,49
